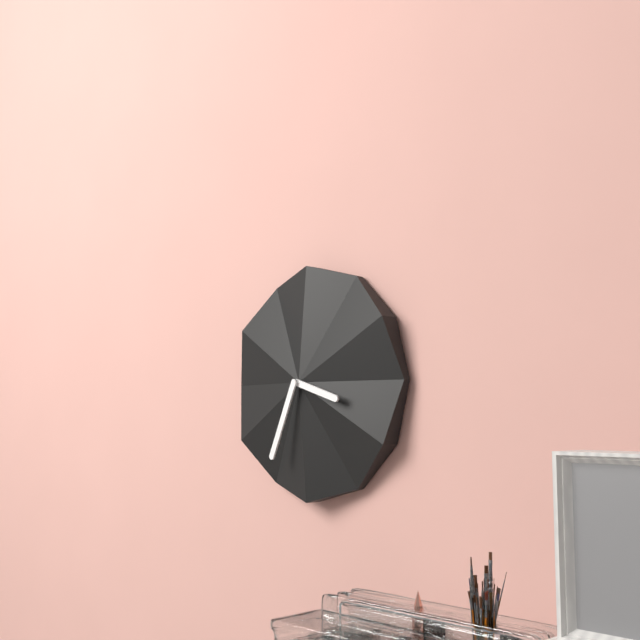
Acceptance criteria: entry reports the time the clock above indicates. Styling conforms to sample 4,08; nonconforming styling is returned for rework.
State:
3,34
